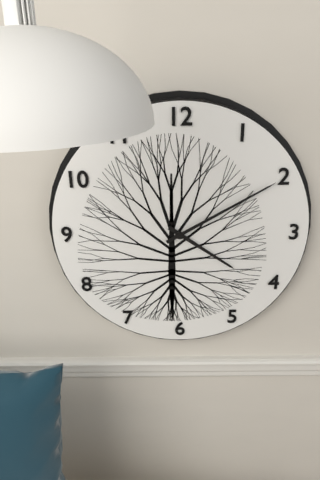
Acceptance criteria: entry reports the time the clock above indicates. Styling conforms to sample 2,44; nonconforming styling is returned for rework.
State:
4,10
